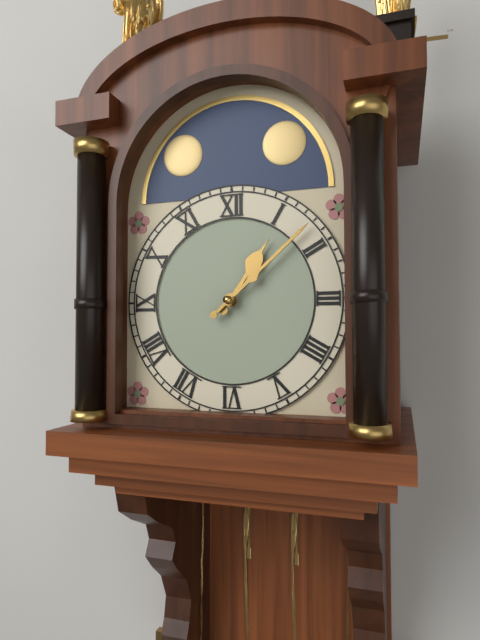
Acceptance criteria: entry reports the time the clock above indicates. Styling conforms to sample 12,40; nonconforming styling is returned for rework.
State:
1,08
